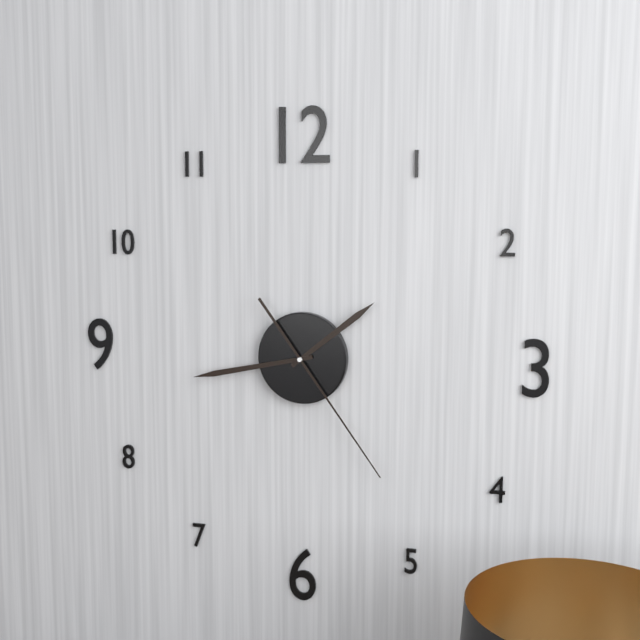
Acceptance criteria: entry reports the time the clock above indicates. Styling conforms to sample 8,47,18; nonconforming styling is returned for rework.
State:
1,43,24
